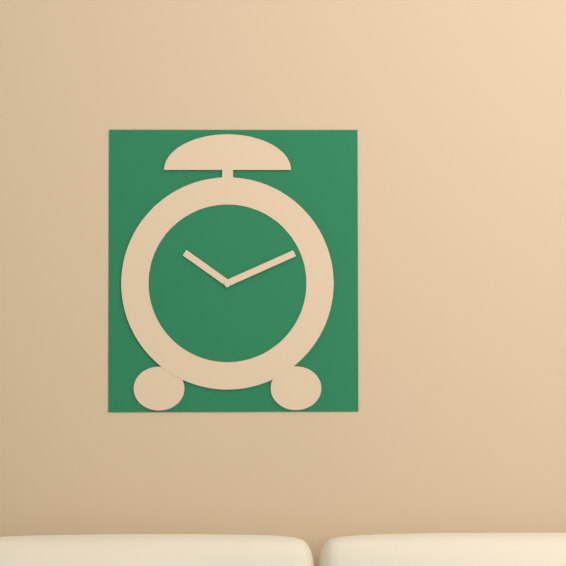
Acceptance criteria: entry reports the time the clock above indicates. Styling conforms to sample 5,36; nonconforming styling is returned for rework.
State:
10,11
